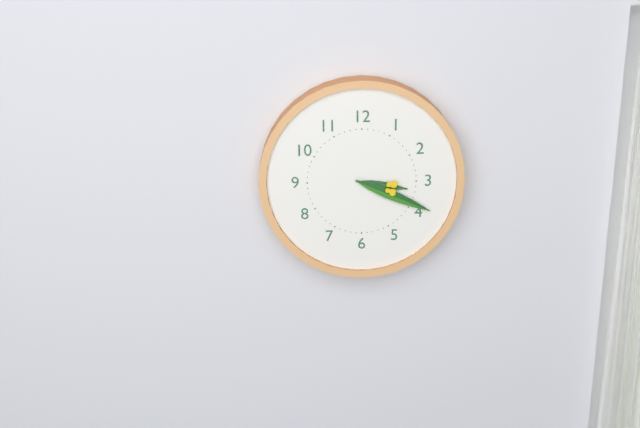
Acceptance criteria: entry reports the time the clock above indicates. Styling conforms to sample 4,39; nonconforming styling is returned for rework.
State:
3,19
